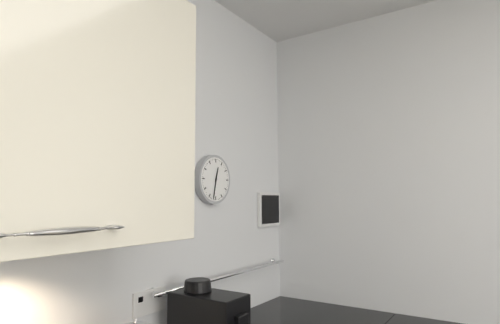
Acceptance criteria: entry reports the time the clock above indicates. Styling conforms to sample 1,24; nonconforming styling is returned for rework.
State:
12,32
